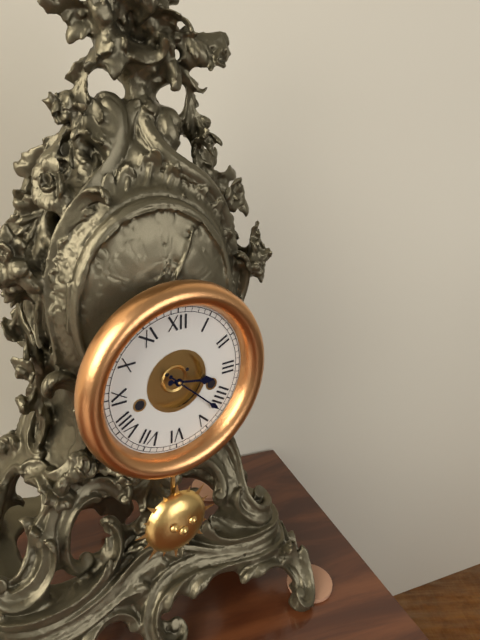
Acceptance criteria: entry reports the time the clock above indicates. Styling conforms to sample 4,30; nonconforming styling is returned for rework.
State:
3,22
